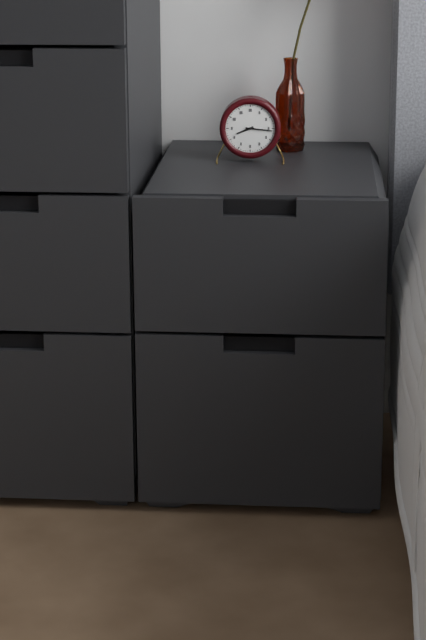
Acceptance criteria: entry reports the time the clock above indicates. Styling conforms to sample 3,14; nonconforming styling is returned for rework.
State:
8,16
